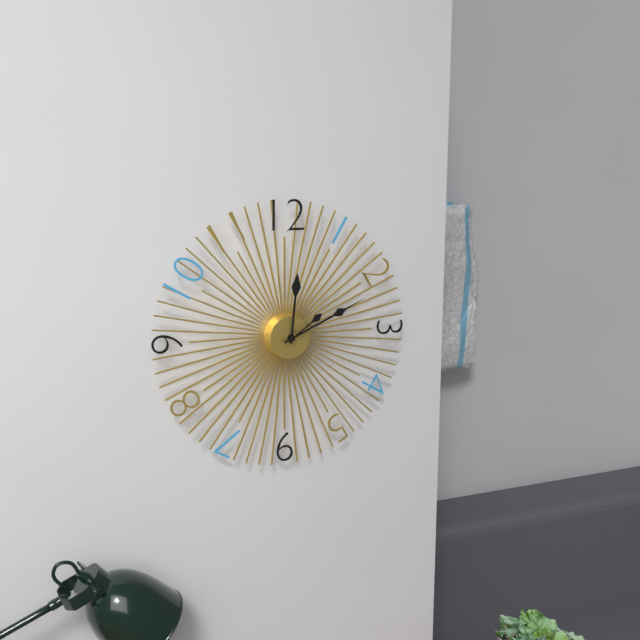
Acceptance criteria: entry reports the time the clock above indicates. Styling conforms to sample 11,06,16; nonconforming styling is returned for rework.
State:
12,11,09
